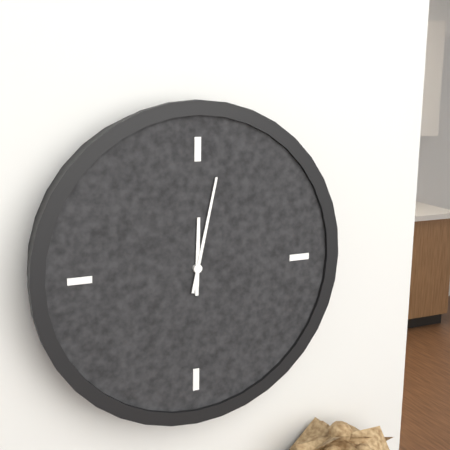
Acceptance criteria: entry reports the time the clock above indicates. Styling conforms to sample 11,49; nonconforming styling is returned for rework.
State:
12,02
